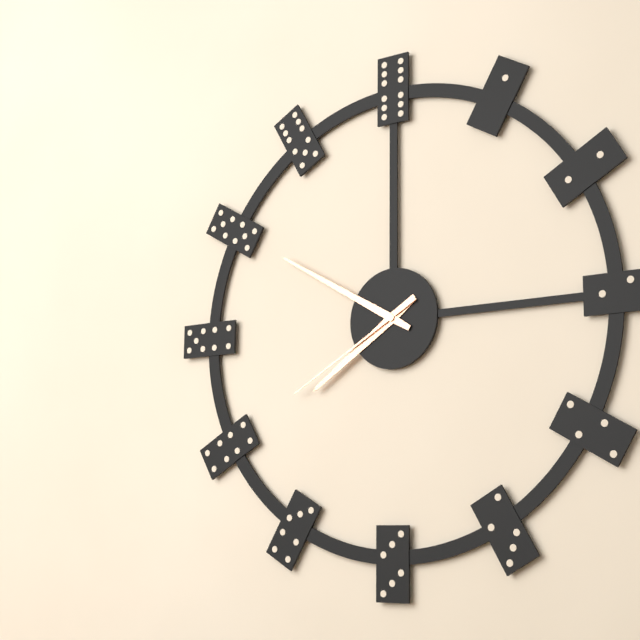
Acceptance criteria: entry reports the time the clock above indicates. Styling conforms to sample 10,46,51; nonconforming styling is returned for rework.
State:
7,50,40
